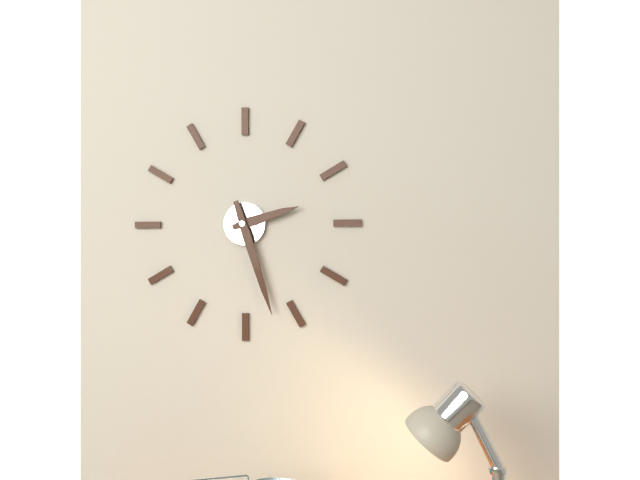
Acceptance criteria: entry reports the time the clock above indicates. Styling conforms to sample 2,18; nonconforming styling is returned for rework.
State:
2,27
